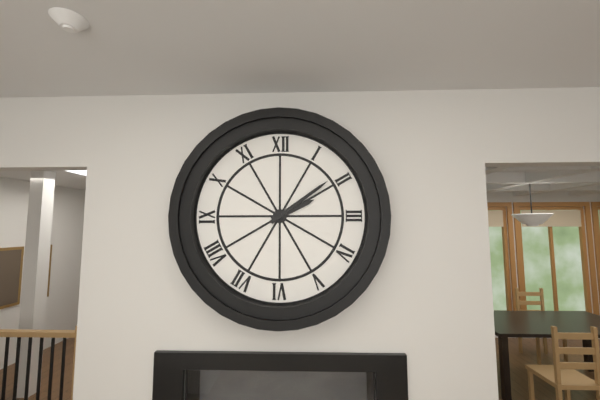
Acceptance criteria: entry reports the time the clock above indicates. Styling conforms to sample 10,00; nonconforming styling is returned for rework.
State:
2,09
